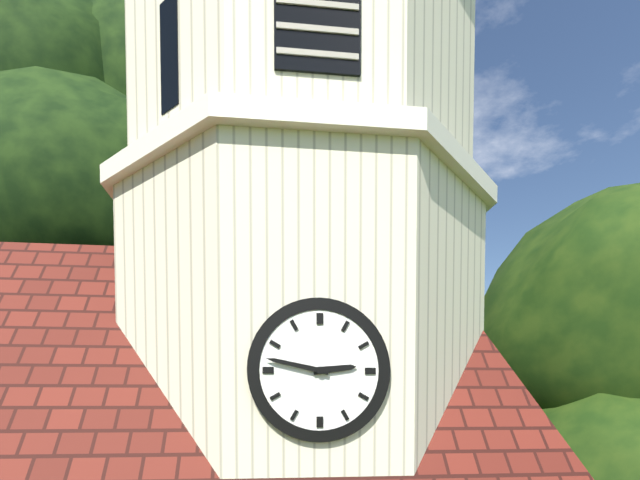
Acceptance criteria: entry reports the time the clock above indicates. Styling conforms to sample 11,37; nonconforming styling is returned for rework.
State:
2,47
